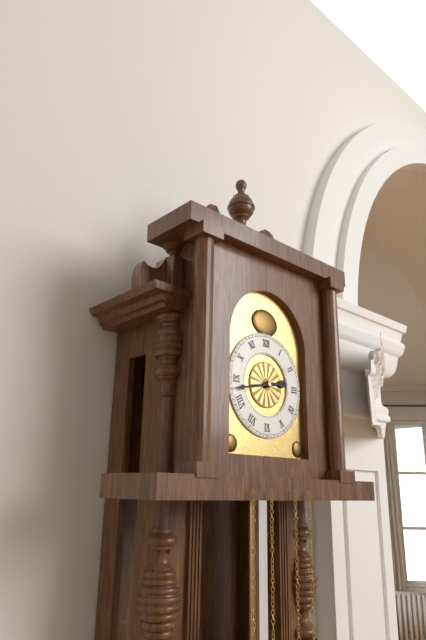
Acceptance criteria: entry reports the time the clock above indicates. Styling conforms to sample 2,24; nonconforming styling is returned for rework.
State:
2,43
